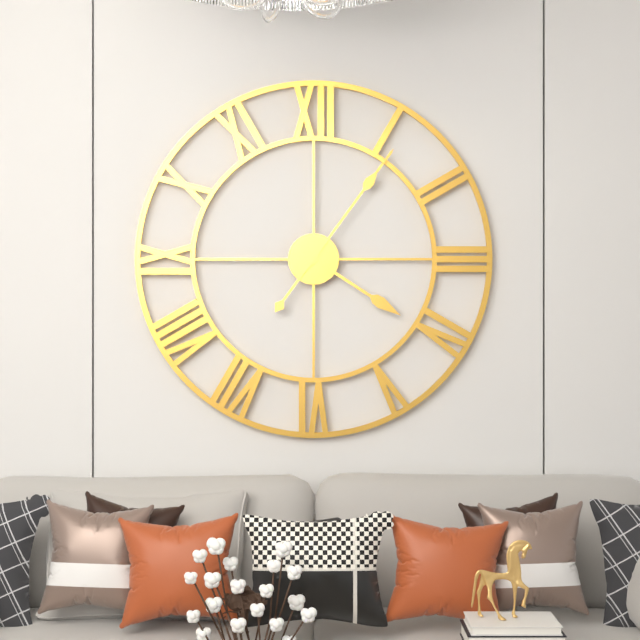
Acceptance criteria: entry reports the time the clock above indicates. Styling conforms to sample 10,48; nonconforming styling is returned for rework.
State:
4,06
